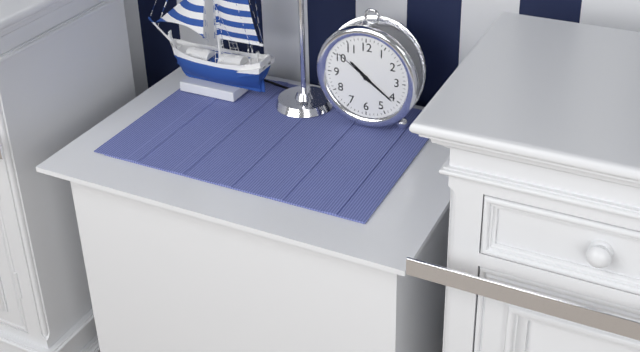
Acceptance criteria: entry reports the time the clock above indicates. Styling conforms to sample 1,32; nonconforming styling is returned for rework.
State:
10,21
